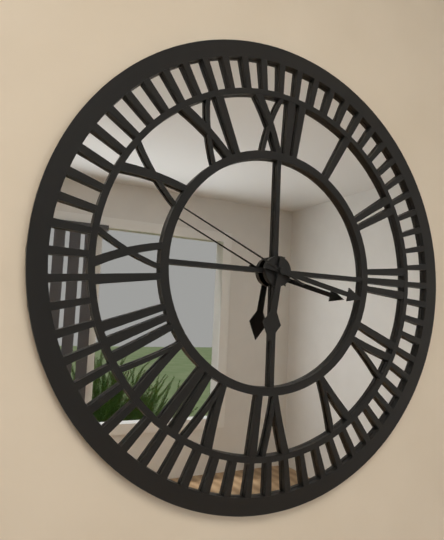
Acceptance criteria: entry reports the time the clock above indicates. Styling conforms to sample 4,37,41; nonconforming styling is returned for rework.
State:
6,17,49
